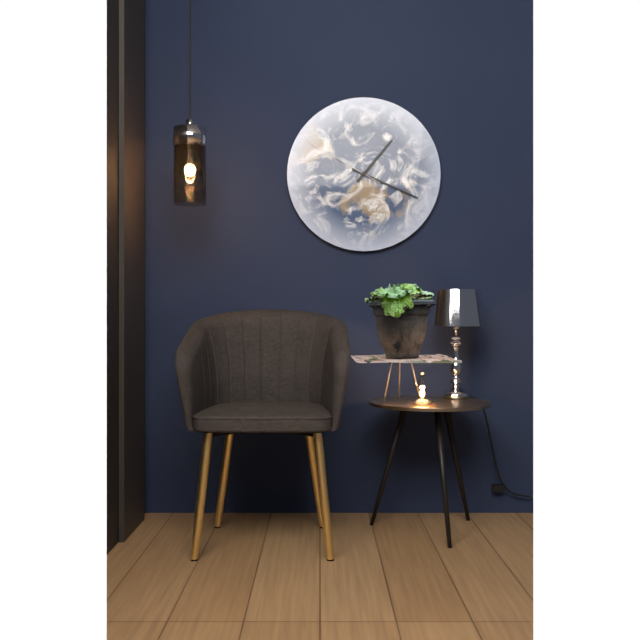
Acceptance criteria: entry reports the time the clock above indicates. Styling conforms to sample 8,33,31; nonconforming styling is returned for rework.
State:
1,19,50
